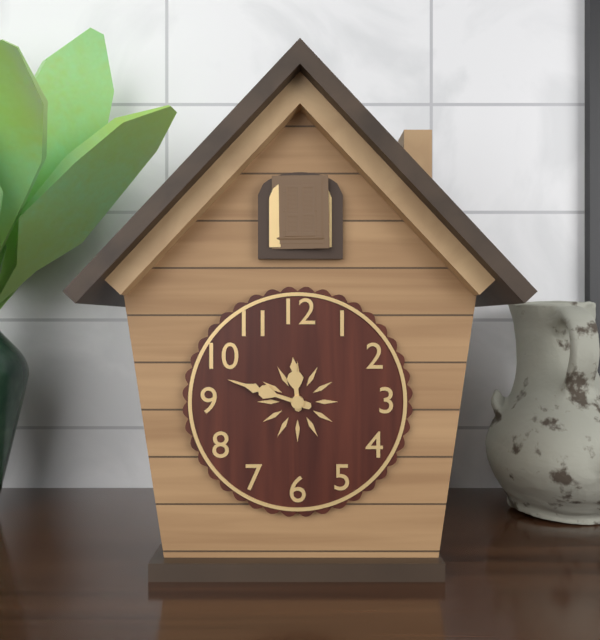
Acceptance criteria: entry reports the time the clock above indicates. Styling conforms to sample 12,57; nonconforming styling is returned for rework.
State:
11,48
